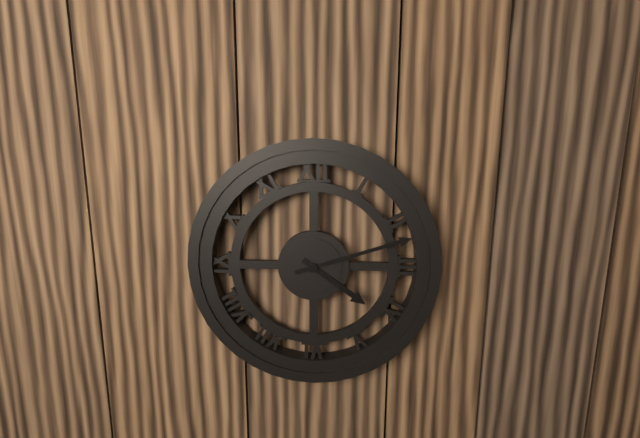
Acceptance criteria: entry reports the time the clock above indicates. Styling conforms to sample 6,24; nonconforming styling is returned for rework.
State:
4,12
